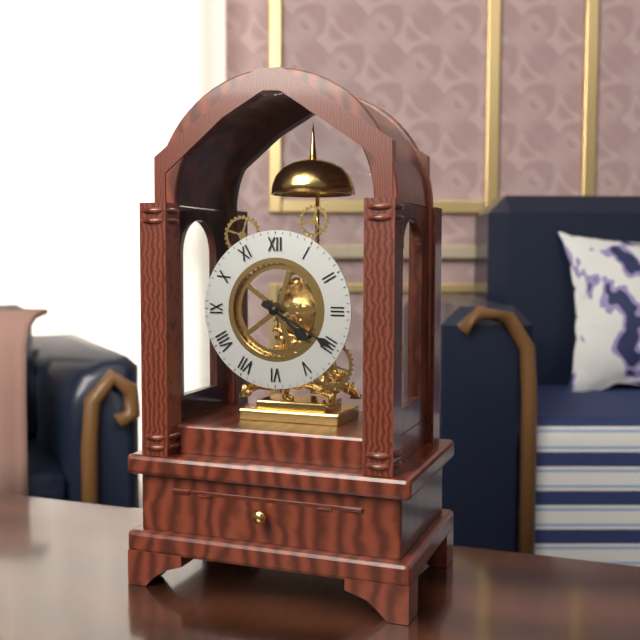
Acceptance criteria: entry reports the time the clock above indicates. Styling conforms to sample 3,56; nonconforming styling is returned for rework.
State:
4,20
